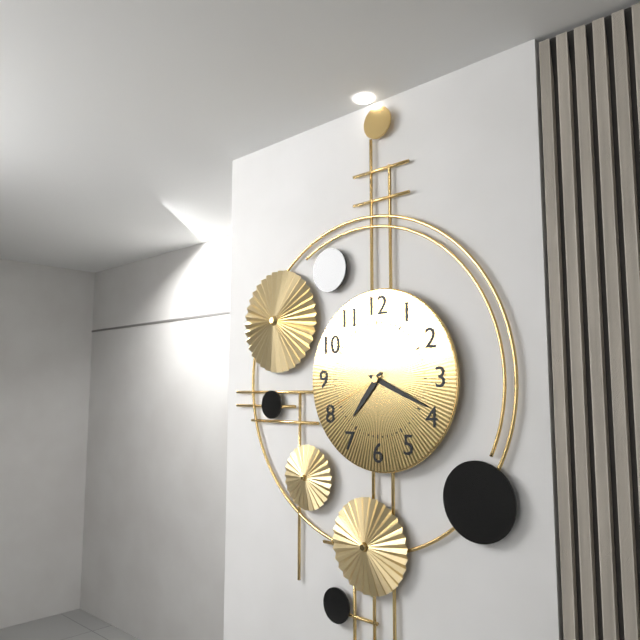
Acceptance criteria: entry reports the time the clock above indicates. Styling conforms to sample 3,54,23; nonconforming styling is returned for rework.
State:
7,19,41
